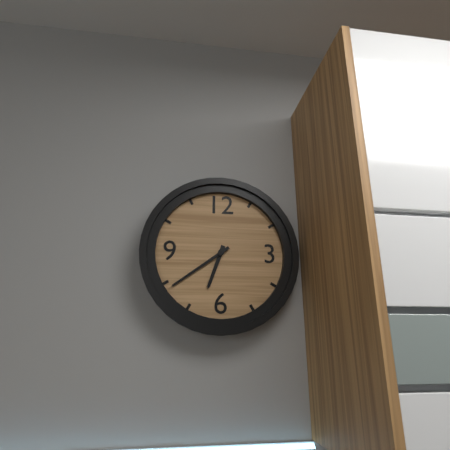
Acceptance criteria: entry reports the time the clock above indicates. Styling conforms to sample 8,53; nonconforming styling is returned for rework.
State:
6,39
